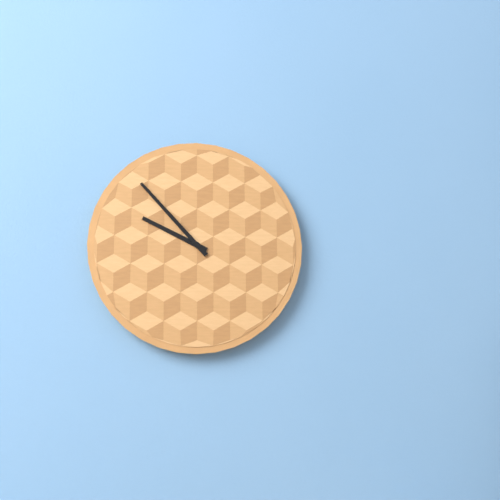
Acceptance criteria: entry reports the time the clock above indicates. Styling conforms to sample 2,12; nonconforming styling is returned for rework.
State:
9,53
